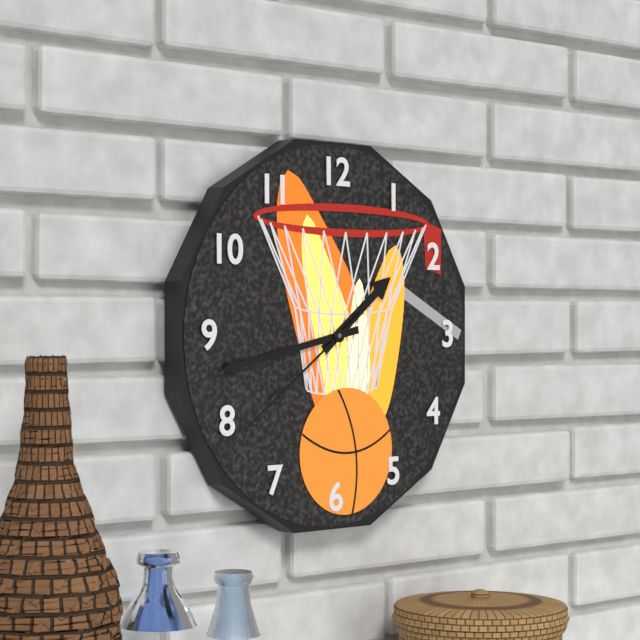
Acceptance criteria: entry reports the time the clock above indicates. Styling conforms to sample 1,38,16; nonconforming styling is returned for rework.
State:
1,43,39
